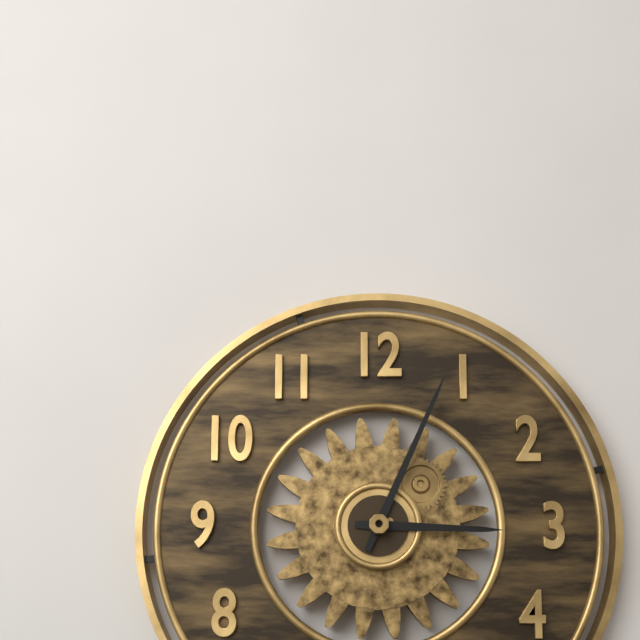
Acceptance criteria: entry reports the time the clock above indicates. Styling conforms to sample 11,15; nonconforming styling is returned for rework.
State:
3,04
